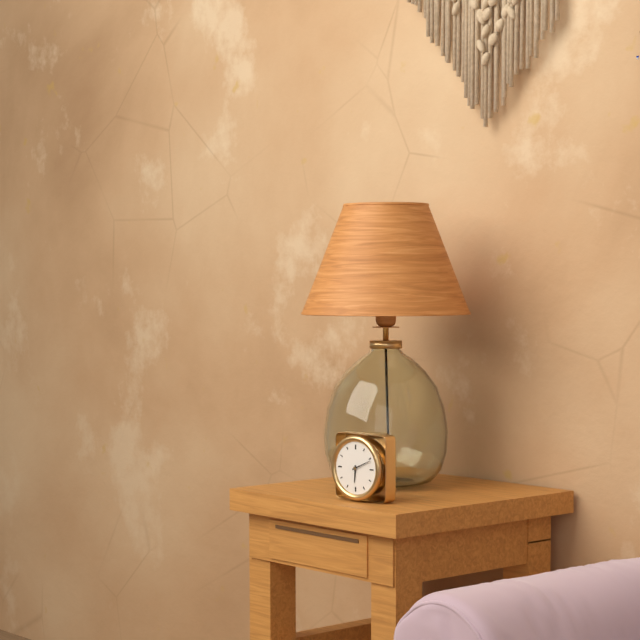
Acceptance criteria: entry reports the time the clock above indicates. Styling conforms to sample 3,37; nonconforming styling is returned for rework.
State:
6,11
